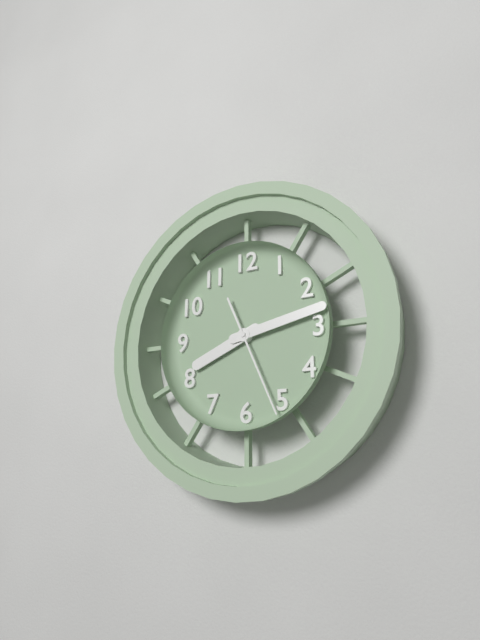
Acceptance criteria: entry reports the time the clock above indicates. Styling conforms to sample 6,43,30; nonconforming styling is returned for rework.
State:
8,13,26
